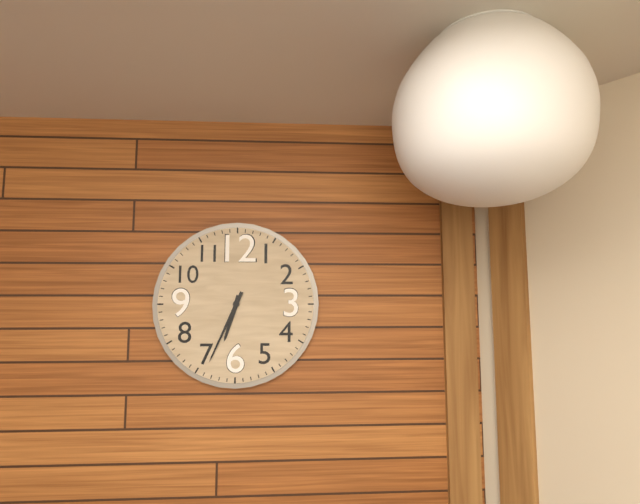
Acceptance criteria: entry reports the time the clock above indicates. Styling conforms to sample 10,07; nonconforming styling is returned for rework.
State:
6,34
